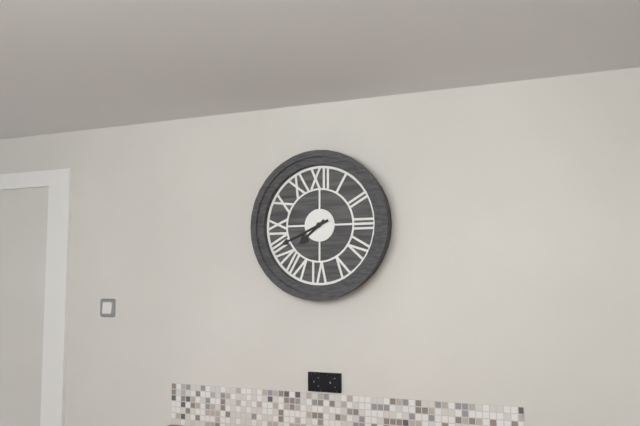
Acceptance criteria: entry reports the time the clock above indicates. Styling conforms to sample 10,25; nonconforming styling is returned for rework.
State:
7,41
